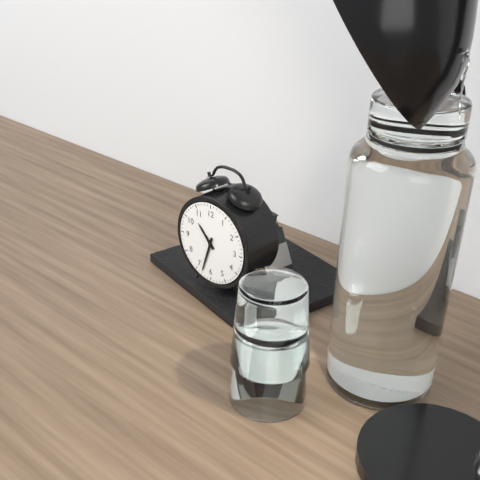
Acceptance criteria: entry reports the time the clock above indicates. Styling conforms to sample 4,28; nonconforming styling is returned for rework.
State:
10,33
